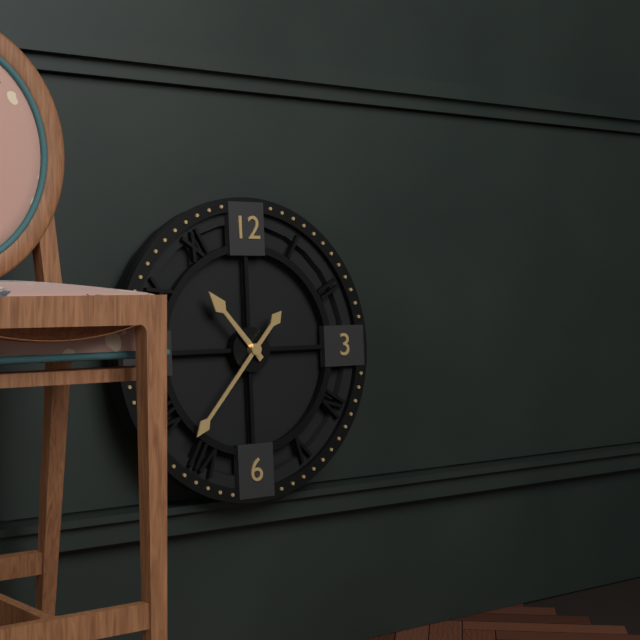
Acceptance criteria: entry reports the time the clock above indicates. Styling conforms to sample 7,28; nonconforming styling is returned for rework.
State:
10,37
